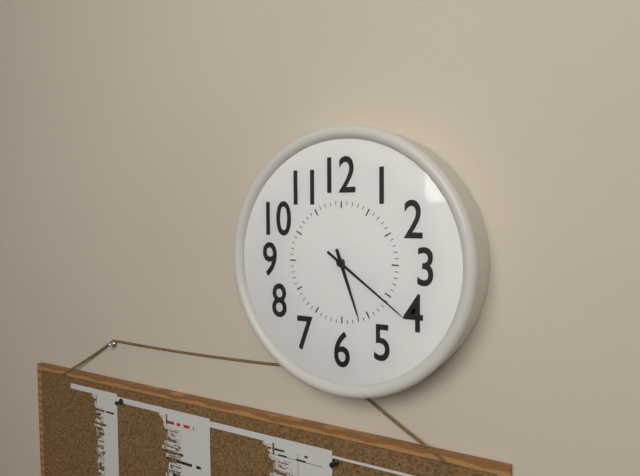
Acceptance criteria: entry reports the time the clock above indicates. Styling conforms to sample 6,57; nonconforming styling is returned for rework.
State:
5,21
